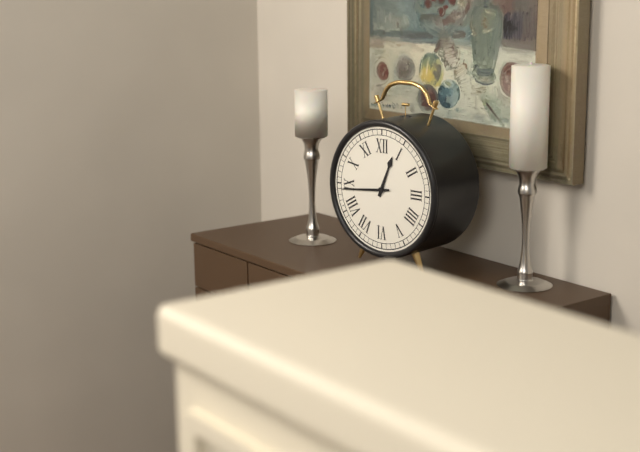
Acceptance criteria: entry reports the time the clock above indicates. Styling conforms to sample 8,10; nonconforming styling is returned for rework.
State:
12,44
